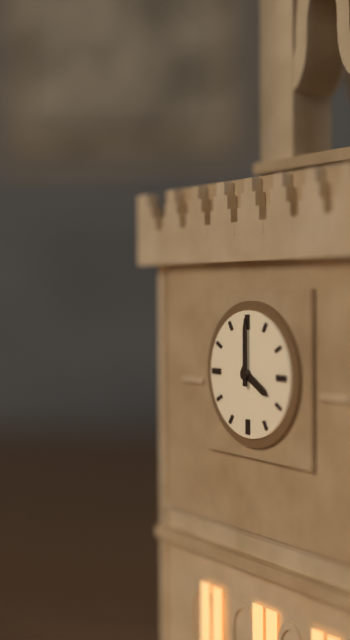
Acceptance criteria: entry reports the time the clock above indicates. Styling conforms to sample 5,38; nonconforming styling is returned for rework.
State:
4,00
